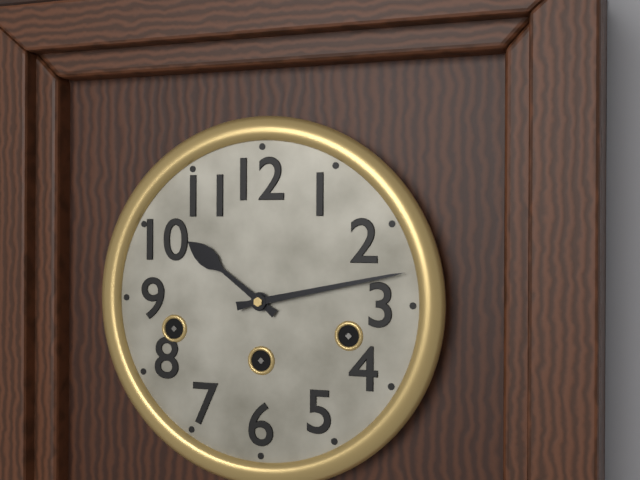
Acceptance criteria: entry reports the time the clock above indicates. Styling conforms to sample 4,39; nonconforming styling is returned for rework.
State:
10,13
